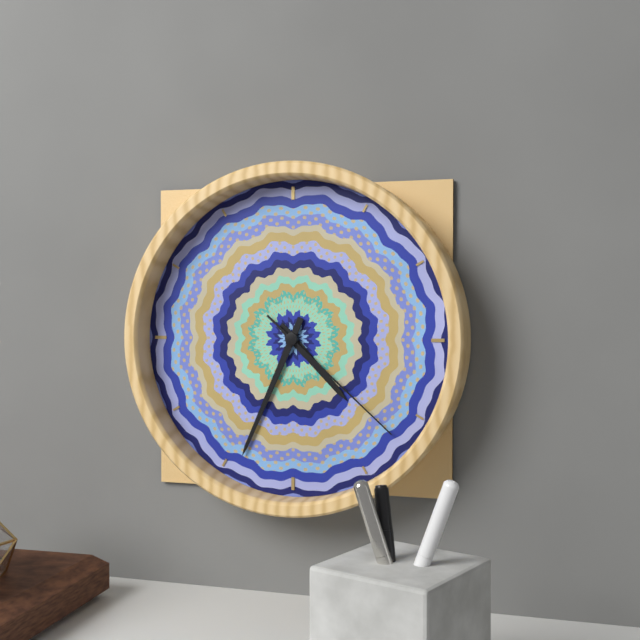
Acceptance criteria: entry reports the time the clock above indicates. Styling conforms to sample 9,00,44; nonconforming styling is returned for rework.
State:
4,34,22
